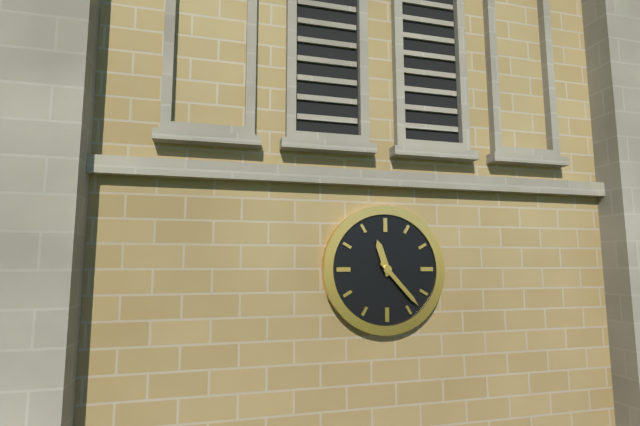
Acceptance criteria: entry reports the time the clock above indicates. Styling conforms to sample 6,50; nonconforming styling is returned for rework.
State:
11,23
